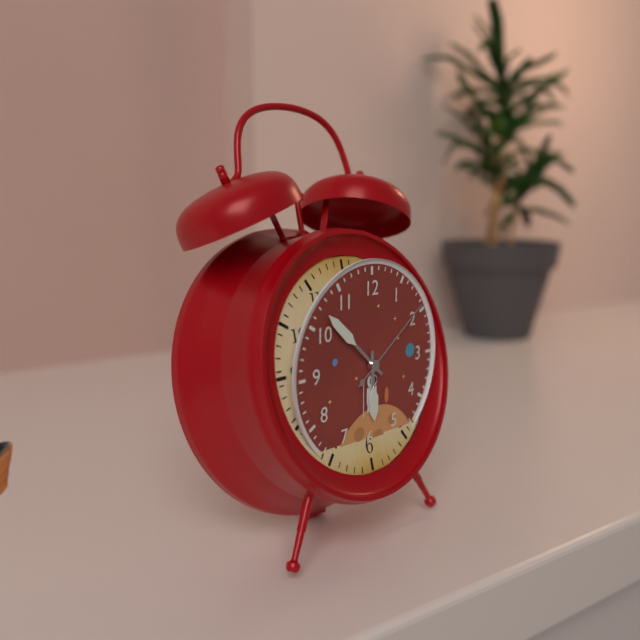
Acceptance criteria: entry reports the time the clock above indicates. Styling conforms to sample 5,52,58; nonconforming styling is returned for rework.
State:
5,52,09
